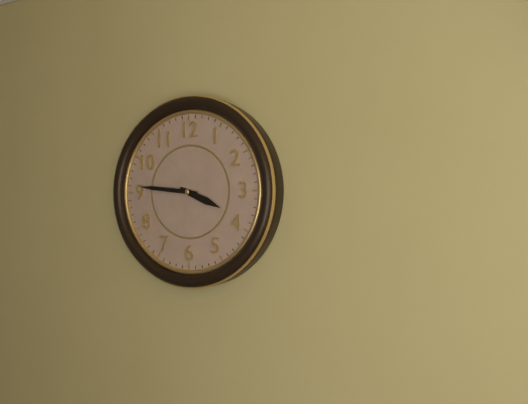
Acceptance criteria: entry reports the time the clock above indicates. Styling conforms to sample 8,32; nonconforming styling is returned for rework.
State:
3,46
